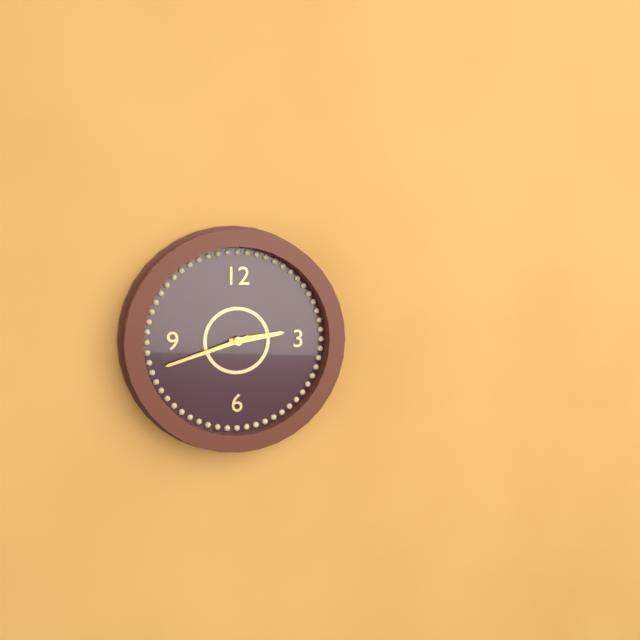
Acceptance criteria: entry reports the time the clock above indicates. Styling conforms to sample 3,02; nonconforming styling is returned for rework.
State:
2,42
